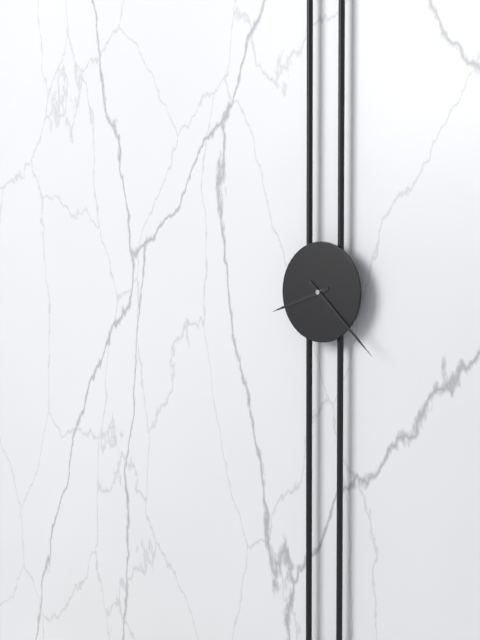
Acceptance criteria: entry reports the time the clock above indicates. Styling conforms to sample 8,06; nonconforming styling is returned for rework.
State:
8,22
